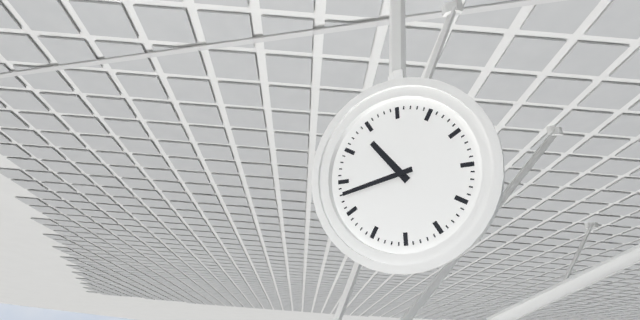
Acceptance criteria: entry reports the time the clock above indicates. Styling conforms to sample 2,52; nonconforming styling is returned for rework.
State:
10,43
